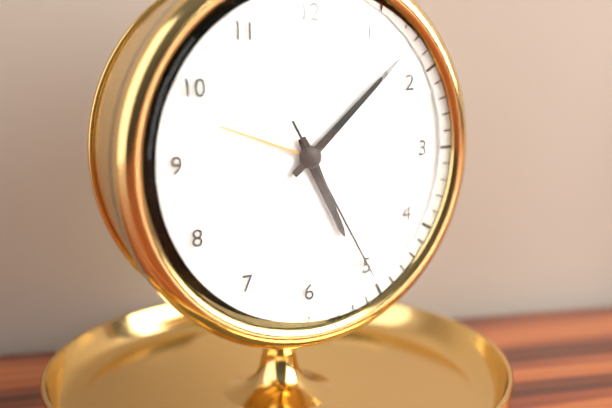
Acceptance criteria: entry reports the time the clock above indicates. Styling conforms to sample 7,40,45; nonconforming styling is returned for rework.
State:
5,08,25
